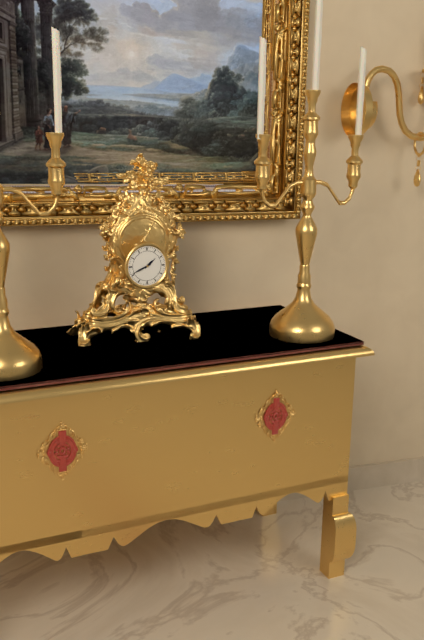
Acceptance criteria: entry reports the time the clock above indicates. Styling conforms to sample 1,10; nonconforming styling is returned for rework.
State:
1,41
